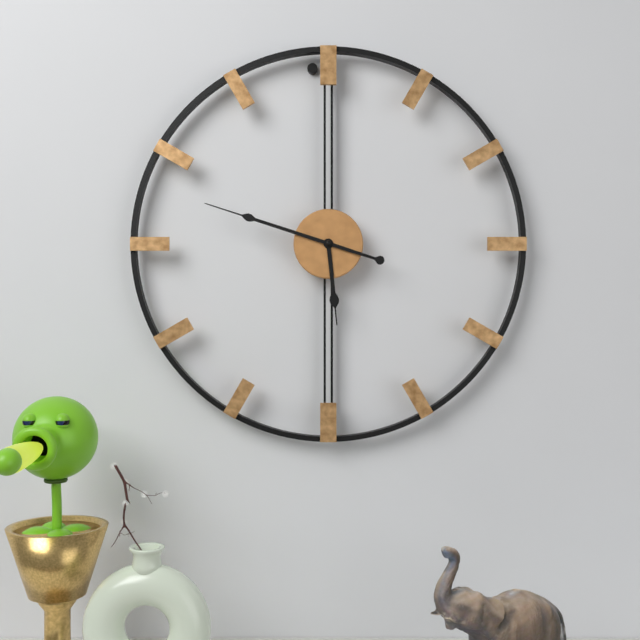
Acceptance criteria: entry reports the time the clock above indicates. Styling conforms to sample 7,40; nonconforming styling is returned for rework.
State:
5,48
